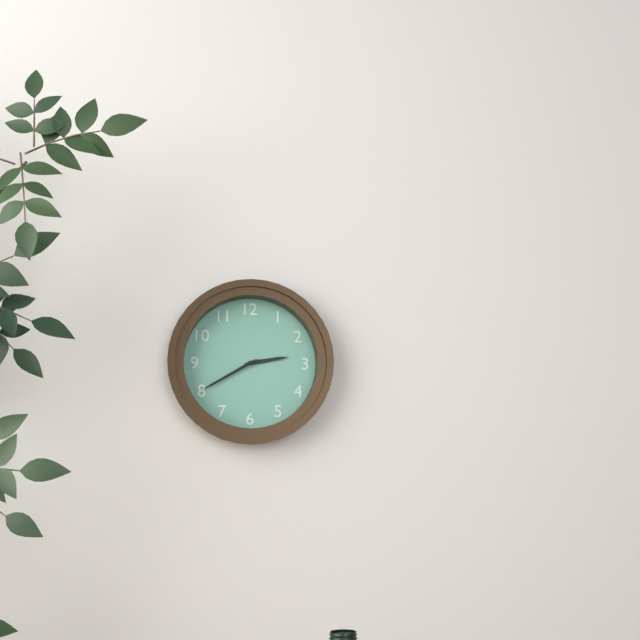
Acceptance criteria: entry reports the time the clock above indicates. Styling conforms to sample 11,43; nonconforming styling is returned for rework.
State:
2,40
